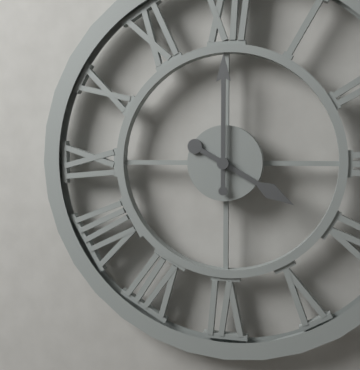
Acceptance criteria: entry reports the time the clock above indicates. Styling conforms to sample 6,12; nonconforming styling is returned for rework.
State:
4,00
